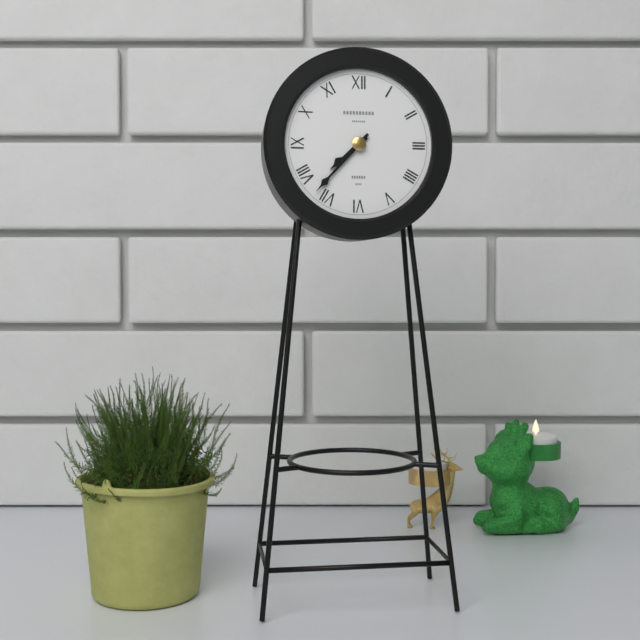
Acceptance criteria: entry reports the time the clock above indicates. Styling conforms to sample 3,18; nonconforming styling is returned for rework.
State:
7,37
